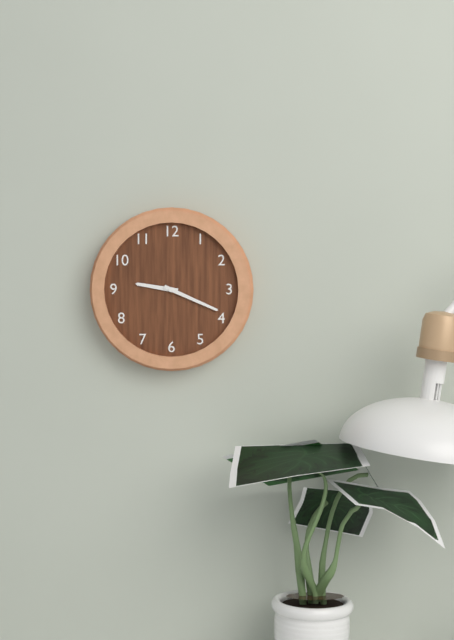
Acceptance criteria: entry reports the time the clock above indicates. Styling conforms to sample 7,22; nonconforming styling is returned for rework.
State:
9,19
